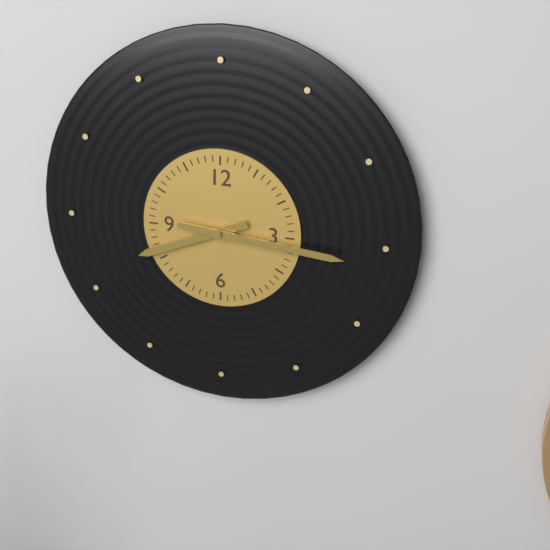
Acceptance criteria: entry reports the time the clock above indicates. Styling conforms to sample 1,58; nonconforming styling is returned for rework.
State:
8,16
